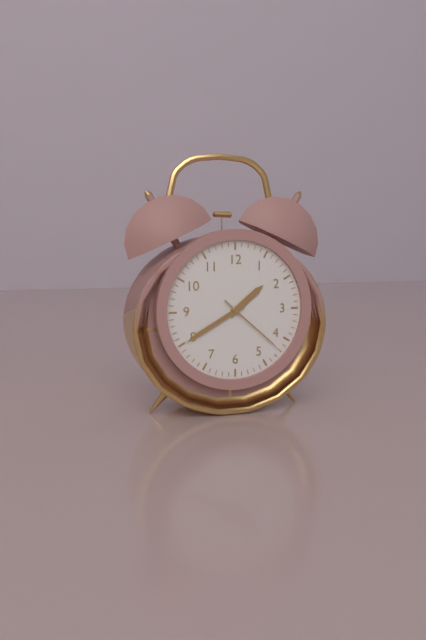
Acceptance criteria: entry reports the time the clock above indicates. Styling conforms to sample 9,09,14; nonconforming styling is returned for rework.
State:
1,40,22
